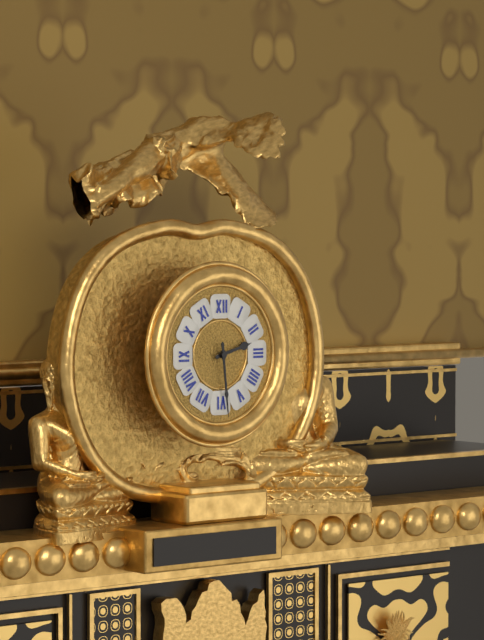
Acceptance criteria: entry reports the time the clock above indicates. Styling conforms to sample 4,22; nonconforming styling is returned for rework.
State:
2,29
